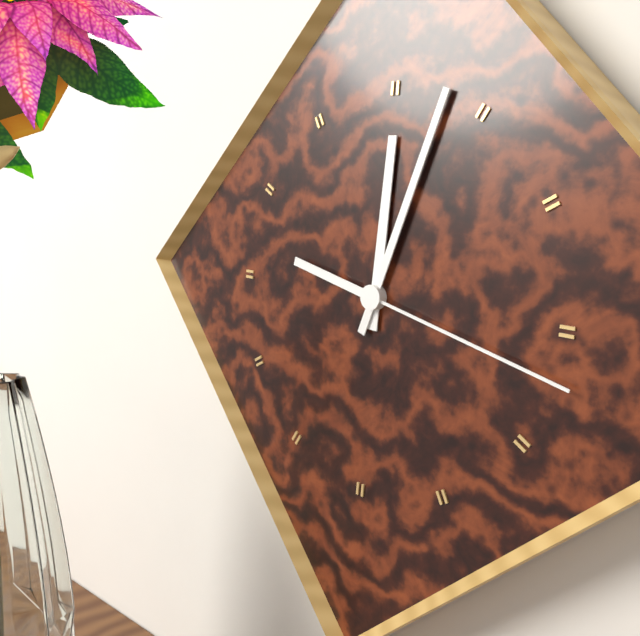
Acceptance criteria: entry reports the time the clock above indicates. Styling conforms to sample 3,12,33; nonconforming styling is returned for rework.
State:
12,03,17
